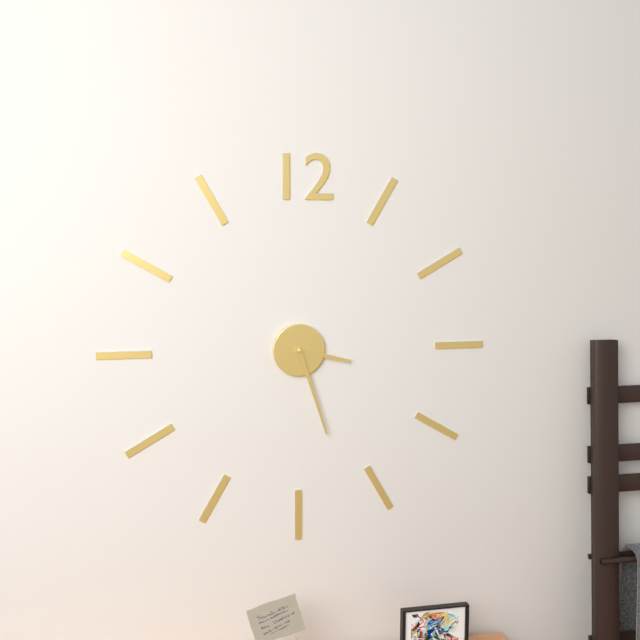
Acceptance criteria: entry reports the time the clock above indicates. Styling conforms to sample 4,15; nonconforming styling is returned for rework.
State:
3,27
